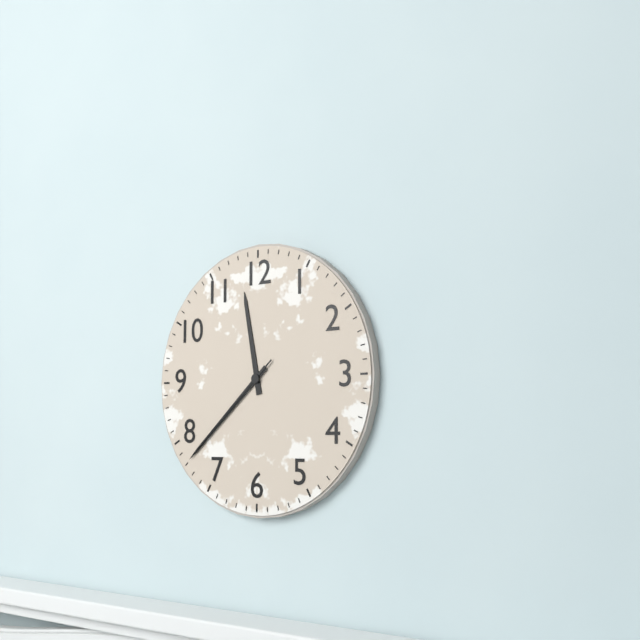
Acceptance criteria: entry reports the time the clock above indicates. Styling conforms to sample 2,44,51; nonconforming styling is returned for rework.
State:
11,38,38
